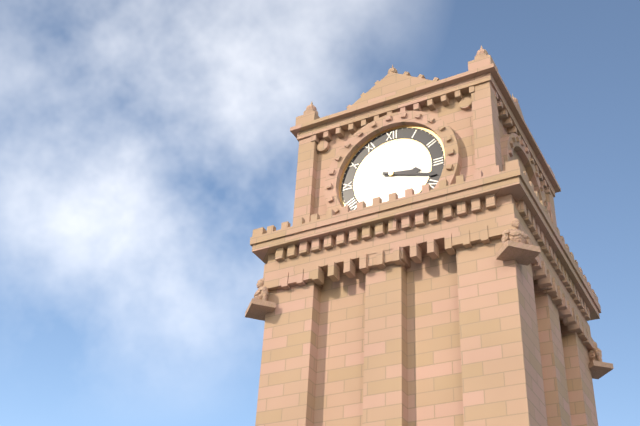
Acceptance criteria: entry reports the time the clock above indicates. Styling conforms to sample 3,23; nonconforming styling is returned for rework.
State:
3,18
